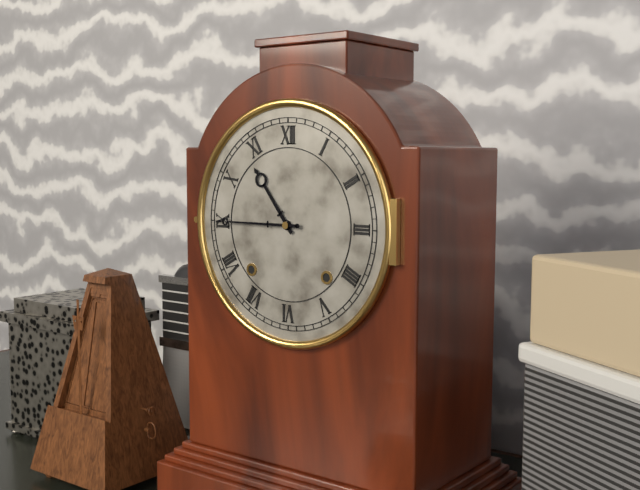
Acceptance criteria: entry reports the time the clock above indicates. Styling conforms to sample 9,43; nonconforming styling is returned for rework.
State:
10,45
